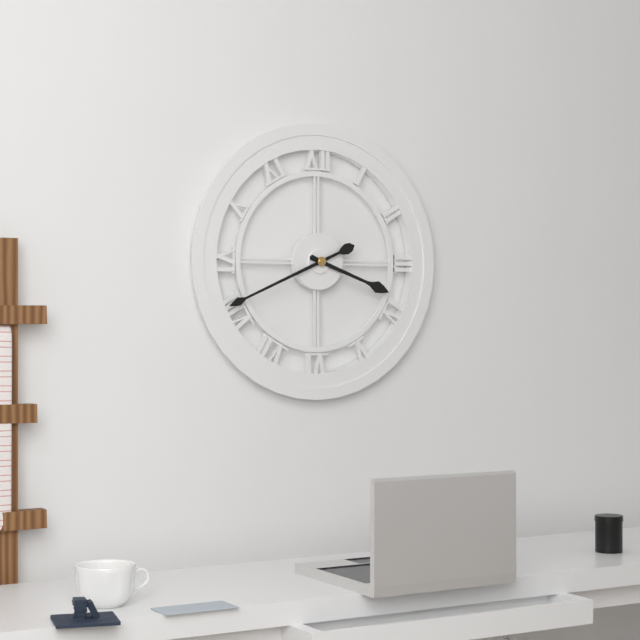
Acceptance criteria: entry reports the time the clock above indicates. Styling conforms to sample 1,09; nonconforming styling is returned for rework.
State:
3,41
